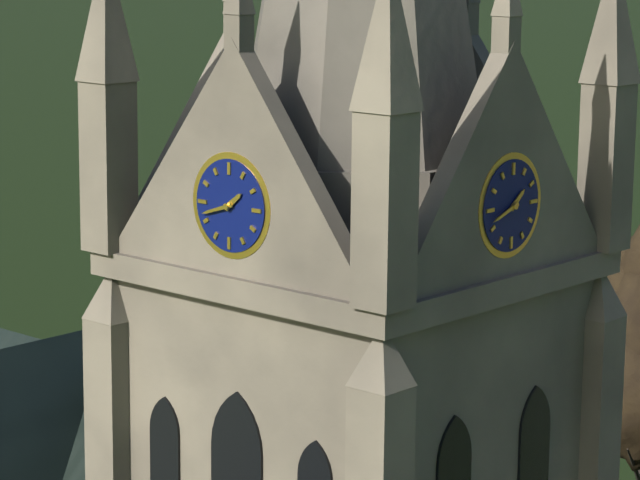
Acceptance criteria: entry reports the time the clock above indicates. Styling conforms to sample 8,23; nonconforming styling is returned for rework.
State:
1,42
